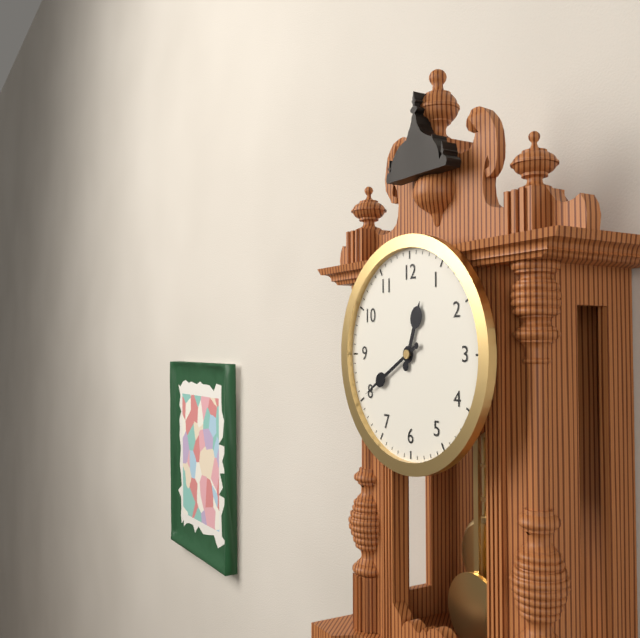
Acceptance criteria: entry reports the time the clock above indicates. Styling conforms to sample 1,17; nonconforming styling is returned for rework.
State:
12,40
